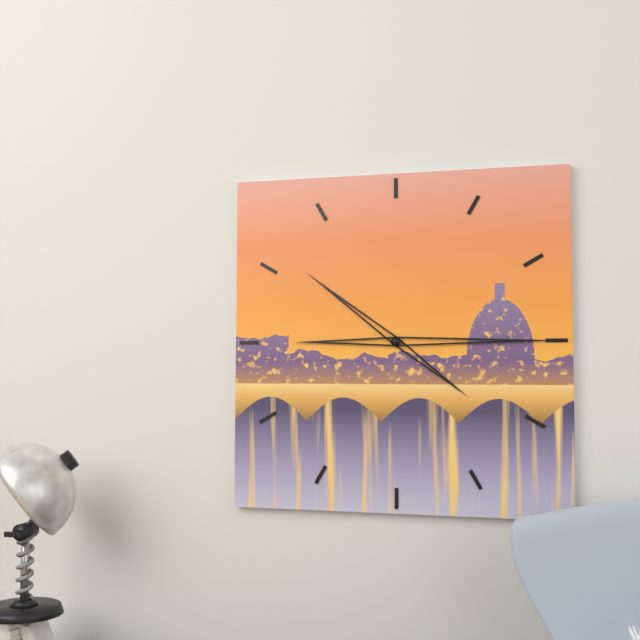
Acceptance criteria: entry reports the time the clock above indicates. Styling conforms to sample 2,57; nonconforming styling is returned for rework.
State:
10,15
